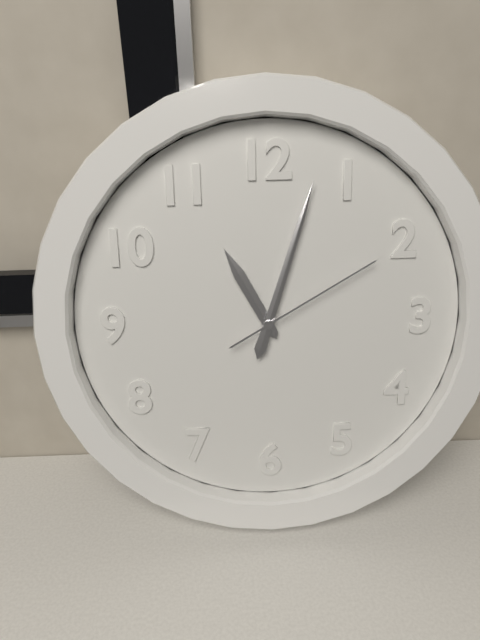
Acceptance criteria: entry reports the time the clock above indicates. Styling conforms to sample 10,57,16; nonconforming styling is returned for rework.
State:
11,03,10
